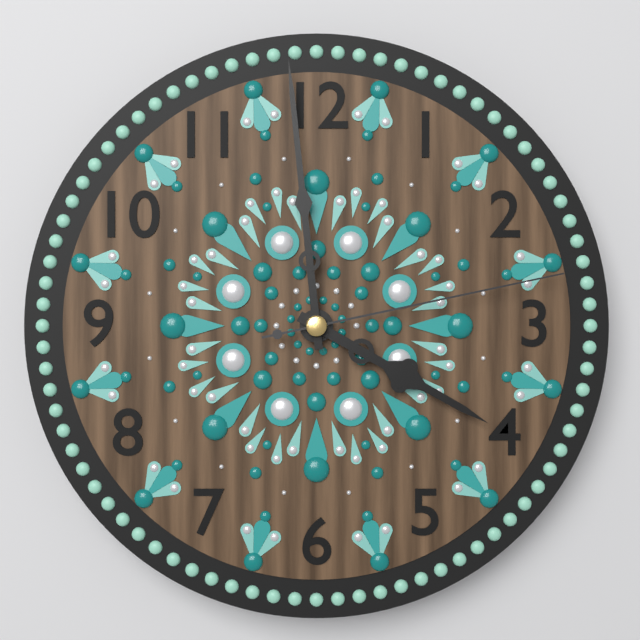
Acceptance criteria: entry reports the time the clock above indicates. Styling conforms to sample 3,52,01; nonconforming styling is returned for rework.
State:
3,59,13
